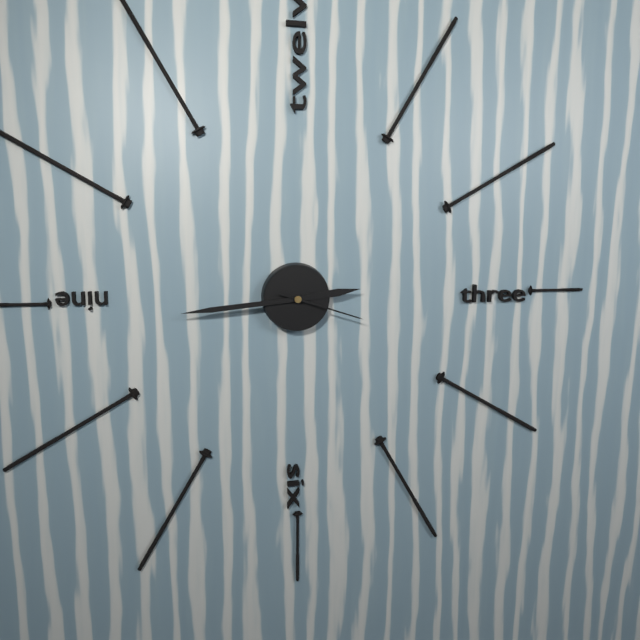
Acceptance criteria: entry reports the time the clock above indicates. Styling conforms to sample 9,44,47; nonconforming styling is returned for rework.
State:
2,44,18
